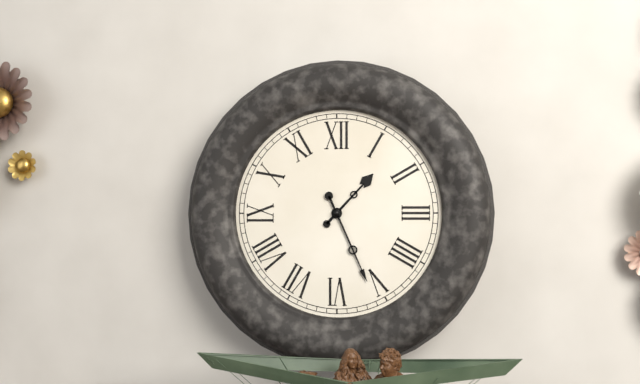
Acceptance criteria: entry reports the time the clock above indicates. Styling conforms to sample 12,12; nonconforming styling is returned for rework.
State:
1,26
